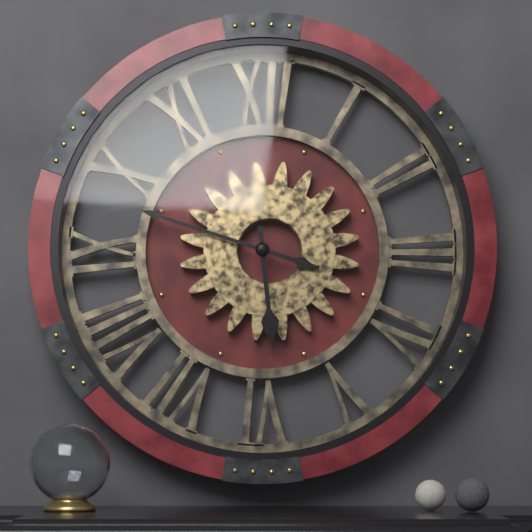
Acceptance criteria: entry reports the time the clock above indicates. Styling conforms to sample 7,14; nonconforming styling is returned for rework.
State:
5,48
